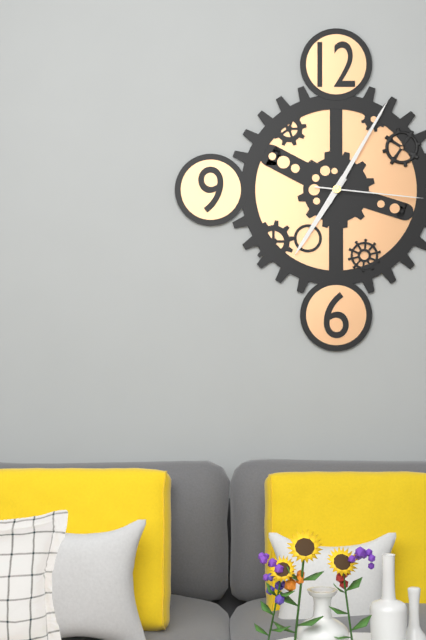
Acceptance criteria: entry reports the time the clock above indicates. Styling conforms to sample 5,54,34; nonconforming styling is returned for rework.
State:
7,05,16
